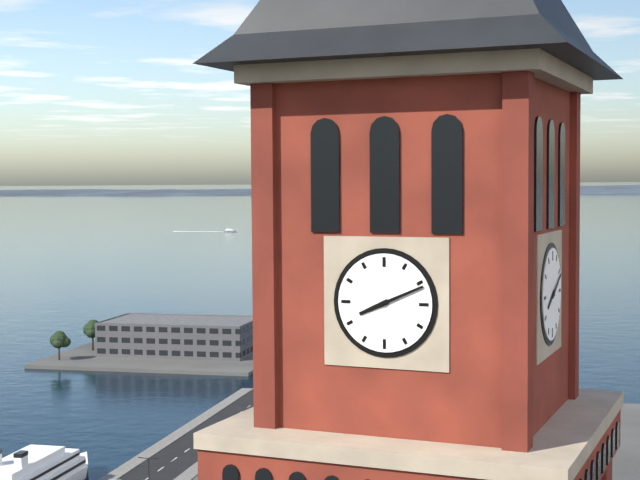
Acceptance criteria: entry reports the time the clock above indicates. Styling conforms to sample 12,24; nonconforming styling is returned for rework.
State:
8,11
